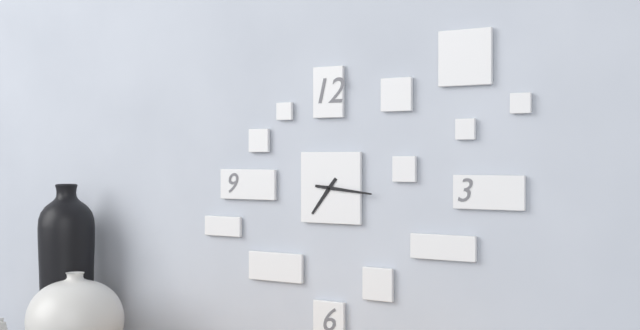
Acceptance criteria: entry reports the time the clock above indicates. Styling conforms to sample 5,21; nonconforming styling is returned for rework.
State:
7,16
